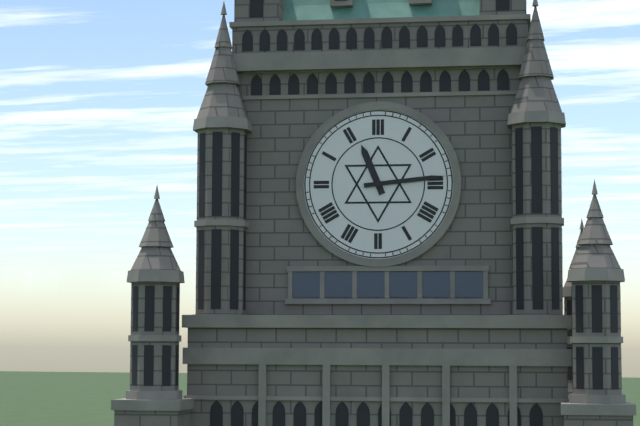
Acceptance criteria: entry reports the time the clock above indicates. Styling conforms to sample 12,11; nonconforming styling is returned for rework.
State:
11,14
